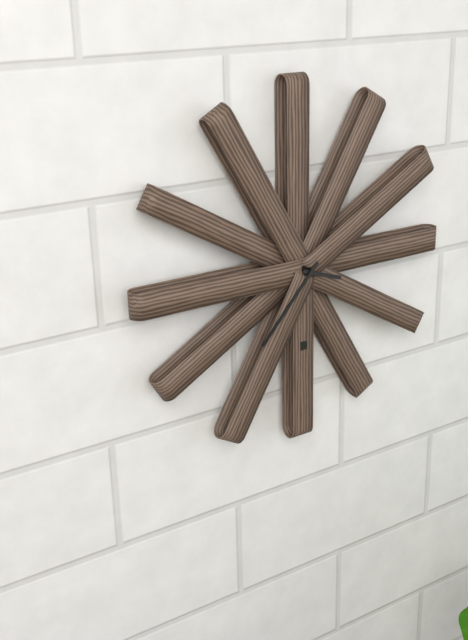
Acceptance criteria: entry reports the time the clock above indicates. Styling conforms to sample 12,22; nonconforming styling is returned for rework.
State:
3,37
